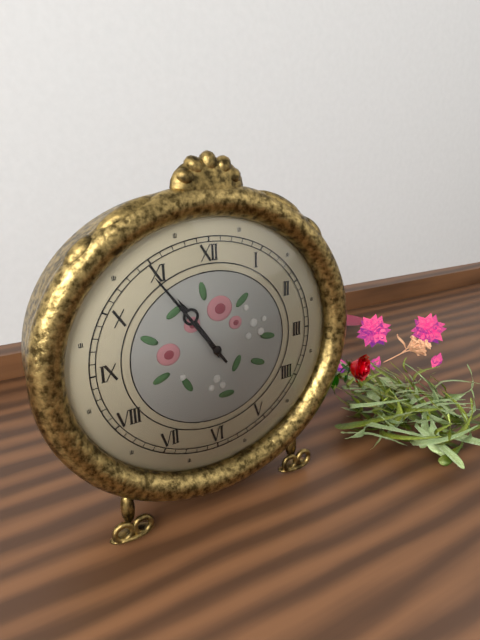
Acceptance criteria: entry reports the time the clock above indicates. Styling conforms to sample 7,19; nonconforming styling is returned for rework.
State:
10,54
